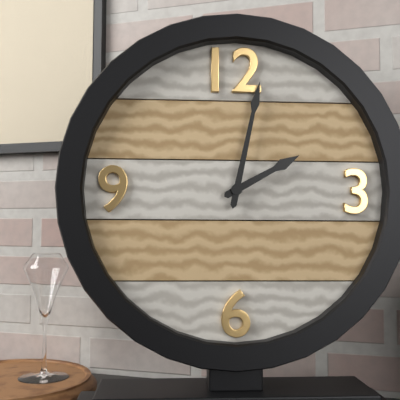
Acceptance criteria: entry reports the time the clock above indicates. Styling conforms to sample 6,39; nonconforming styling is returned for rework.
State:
2,02
